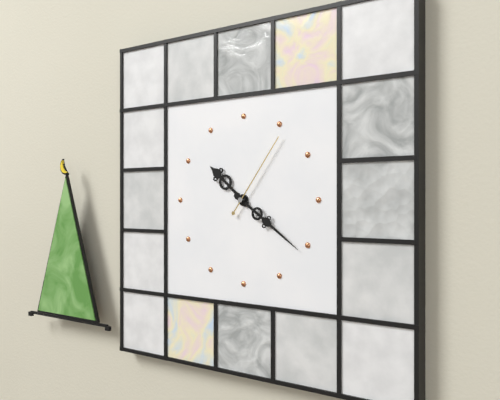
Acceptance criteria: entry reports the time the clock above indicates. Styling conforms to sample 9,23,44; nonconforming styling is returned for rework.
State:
10,21,06
